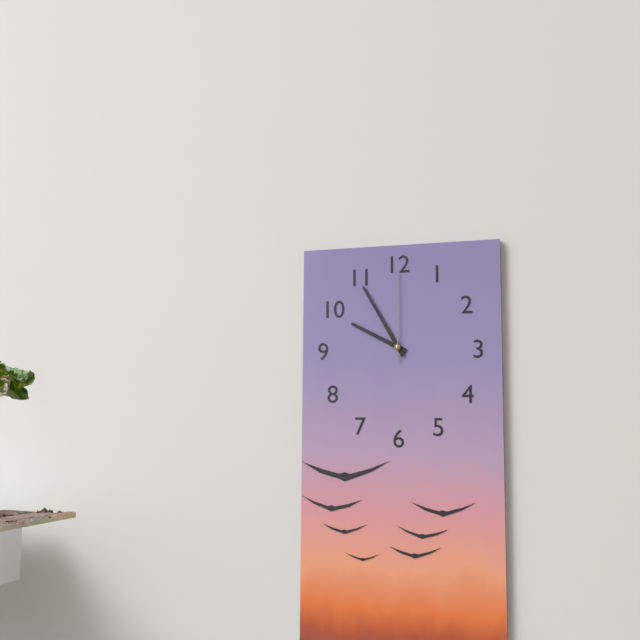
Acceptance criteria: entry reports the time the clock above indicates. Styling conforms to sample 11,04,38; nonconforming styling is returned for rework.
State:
9,55,00
